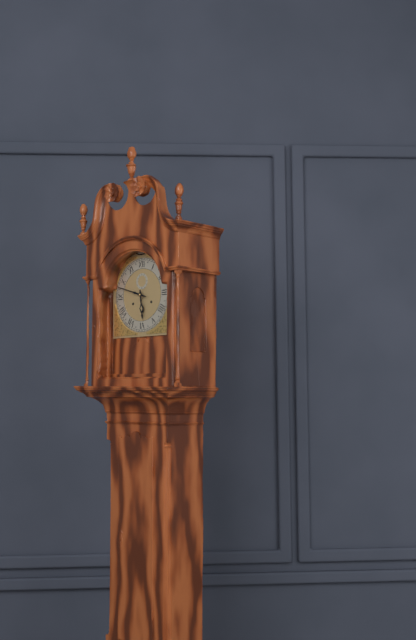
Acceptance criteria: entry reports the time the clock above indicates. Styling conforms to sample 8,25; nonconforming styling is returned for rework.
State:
5,48
